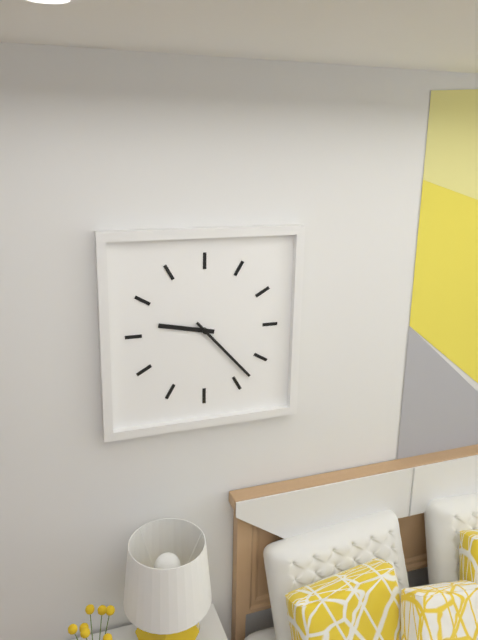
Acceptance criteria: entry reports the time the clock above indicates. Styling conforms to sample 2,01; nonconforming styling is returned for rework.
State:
9,23
